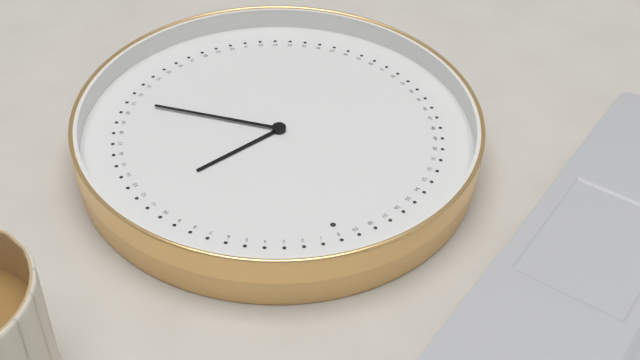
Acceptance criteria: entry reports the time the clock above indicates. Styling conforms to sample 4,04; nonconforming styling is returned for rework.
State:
2,21
